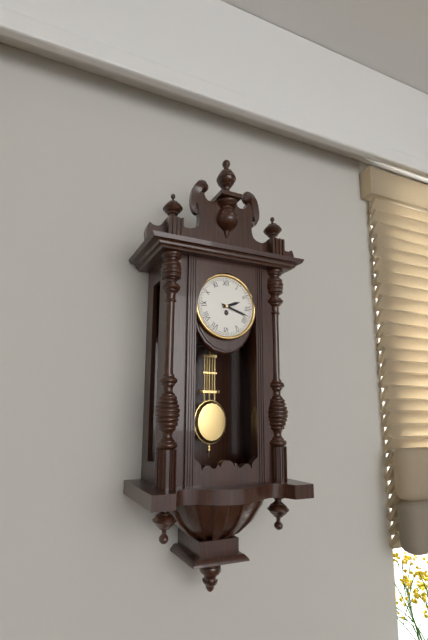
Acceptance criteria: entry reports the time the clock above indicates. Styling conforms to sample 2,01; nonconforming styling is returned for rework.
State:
2,18
